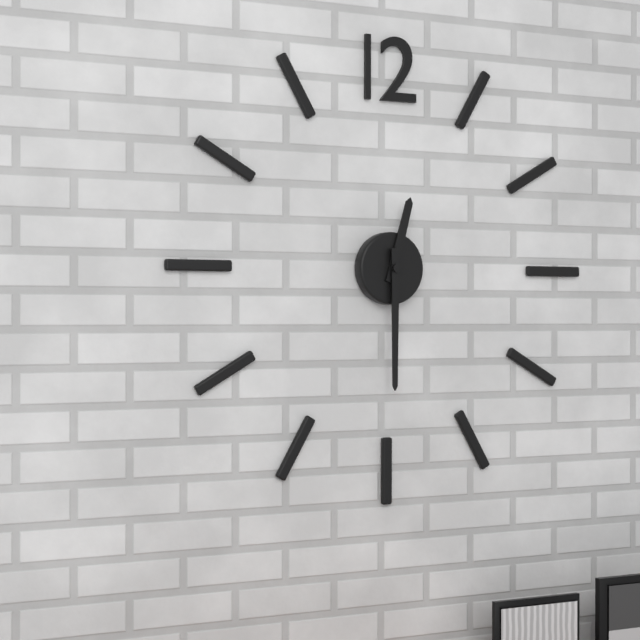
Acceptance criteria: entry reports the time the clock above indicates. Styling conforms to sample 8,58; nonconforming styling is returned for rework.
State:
12,30
